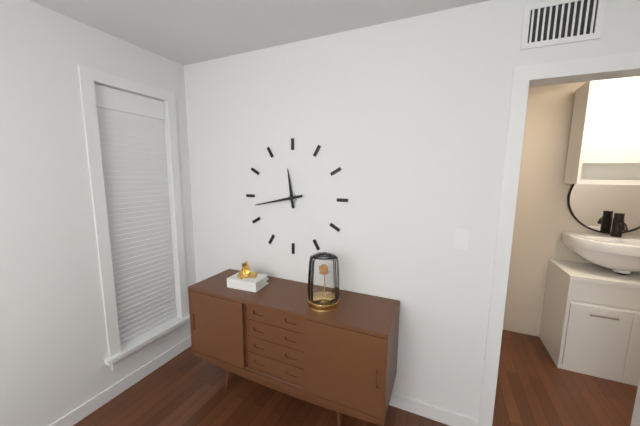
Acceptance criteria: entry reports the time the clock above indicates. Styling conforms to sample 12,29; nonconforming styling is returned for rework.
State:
11,43
